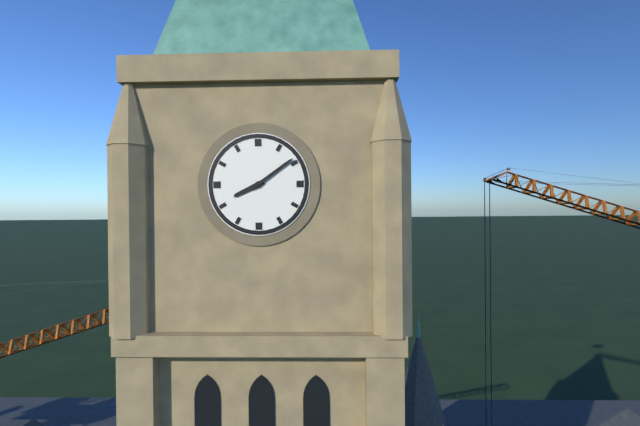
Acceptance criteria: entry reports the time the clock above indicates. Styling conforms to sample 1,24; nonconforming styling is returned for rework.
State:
8,09
